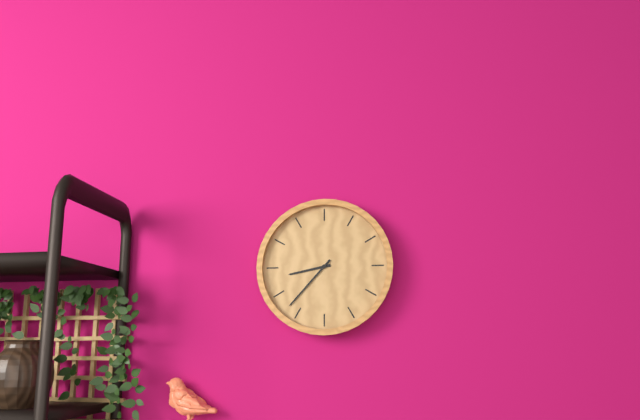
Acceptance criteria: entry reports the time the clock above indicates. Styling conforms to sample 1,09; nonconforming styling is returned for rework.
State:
8,37
